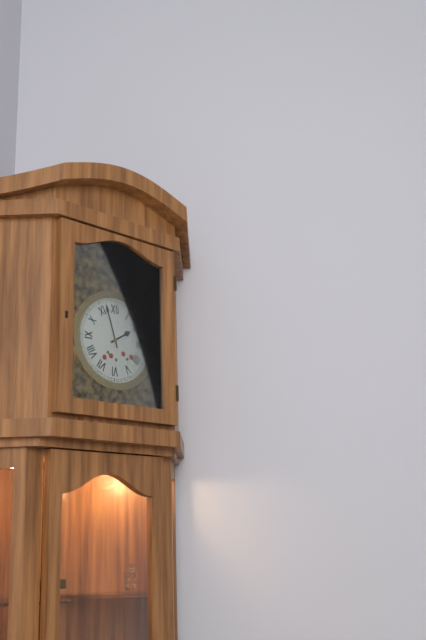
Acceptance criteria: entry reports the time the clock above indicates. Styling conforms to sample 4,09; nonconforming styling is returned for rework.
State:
1,57
